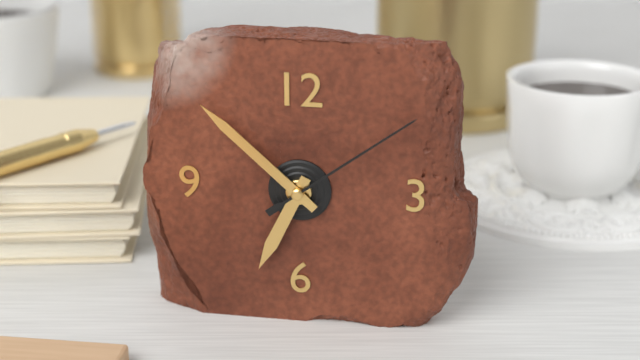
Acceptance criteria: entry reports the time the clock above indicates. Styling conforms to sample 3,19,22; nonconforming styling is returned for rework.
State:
6,52,09
